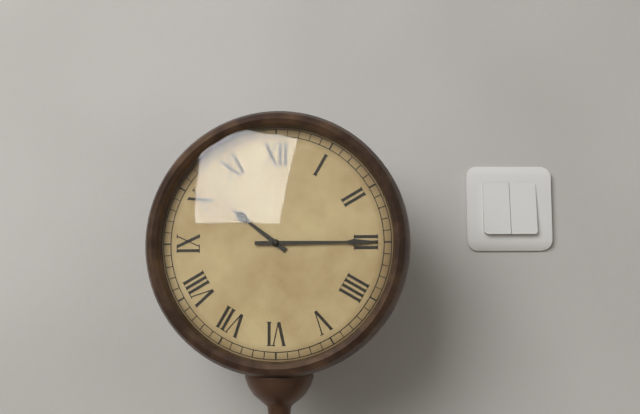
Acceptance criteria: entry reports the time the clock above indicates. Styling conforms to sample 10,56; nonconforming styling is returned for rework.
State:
10,15
